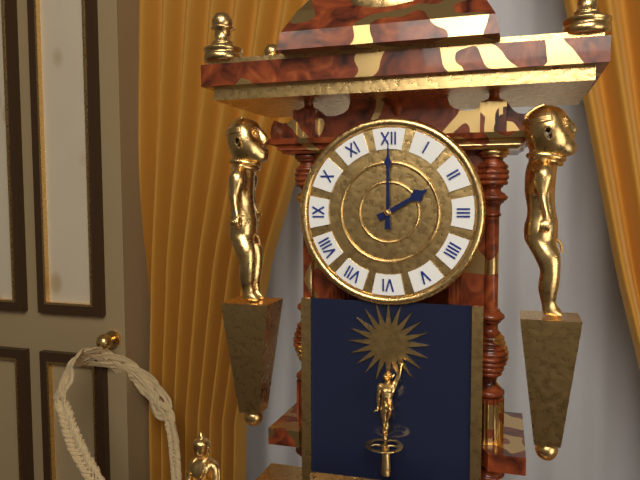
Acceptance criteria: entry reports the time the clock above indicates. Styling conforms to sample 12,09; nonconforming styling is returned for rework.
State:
2,00
